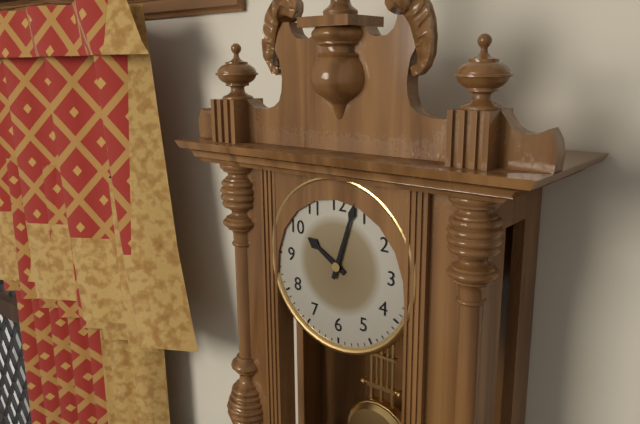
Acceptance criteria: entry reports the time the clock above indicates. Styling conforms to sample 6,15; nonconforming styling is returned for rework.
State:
10,03
